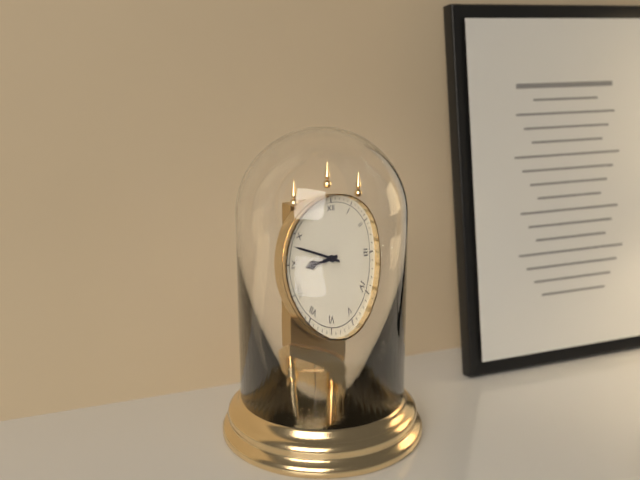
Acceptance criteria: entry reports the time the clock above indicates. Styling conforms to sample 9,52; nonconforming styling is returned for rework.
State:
8,48
